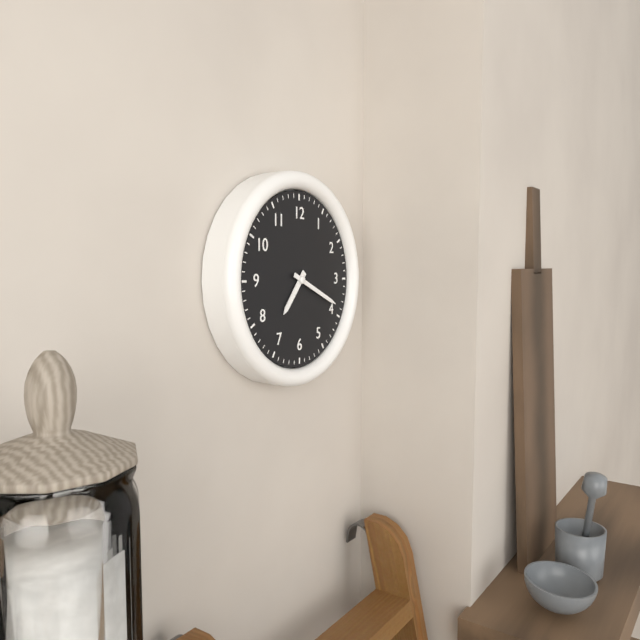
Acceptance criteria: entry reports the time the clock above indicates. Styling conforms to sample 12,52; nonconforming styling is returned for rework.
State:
7,19
